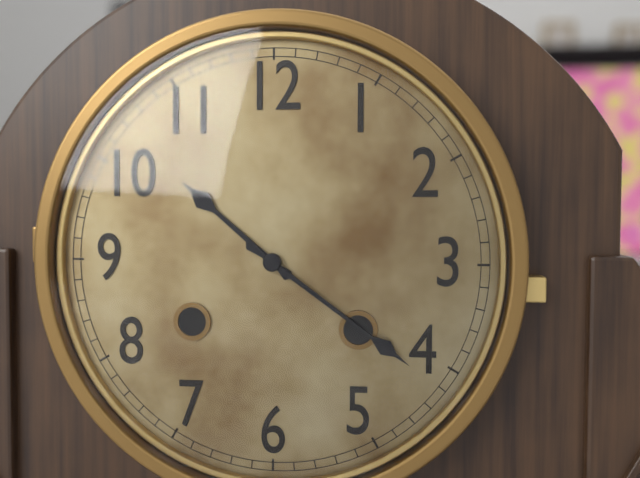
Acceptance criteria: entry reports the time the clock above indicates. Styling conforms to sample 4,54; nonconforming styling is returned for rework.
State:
10,21
